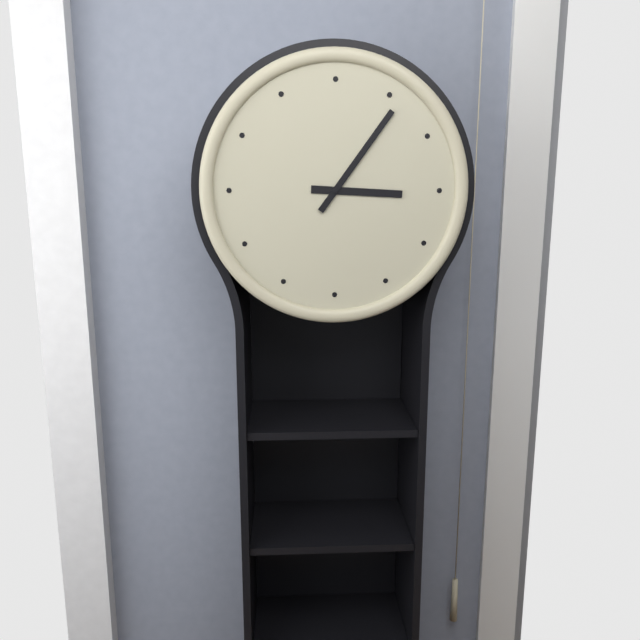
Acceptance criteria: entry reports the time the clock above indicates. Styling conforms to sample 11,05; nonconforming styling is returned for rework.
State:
3,06
